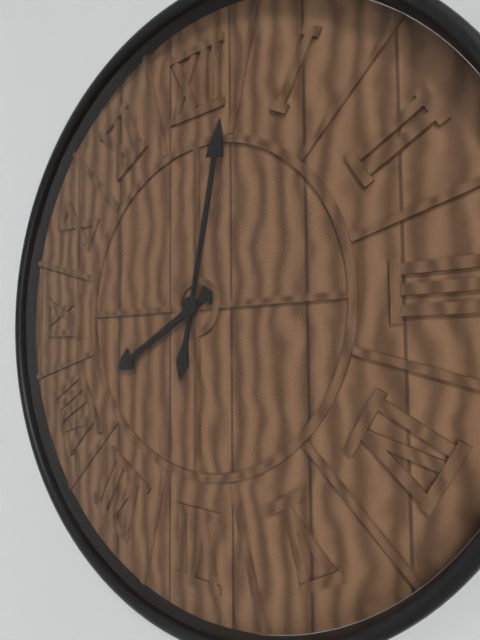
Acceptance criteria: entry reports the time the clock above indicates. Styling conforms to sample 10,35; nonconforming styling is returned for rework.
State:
8,02
